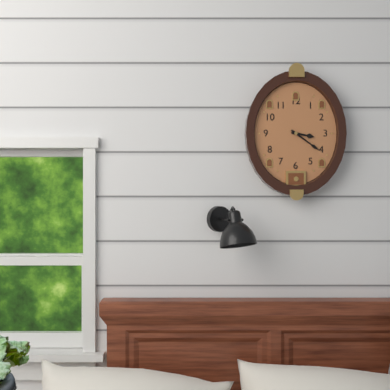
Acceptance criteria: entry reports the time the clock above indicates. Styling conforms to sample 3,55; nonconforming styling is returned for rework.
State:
3,21
